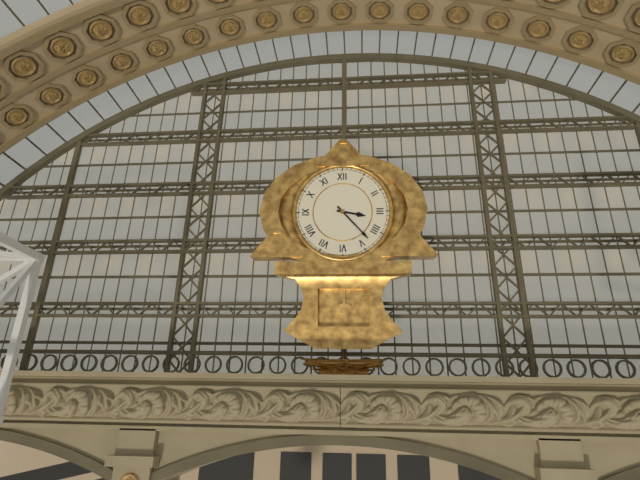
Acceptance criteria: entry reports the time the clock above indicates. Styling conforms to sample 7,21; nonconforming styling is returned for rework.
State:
3,23
